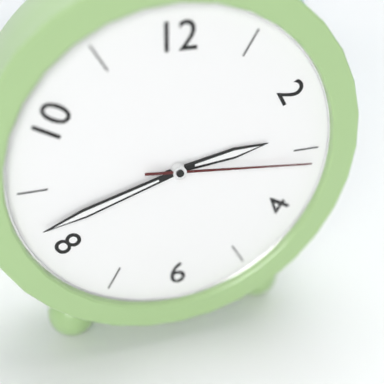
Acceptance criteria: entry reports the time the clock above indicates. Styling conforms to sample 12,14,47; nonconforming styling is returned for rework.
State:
2,42,16
